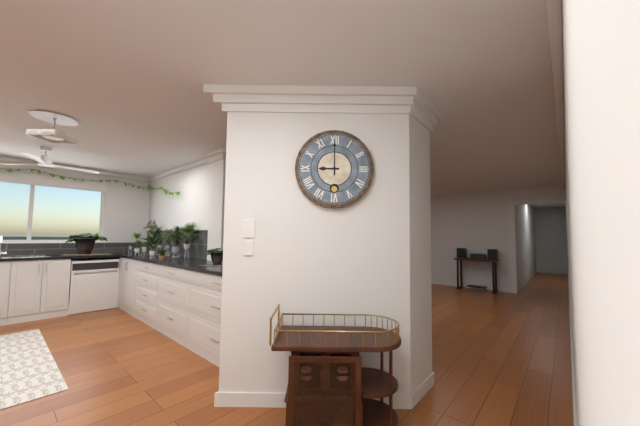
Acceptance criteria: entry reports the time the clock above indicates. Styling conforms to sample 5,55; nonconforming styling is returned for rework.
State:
9,00
